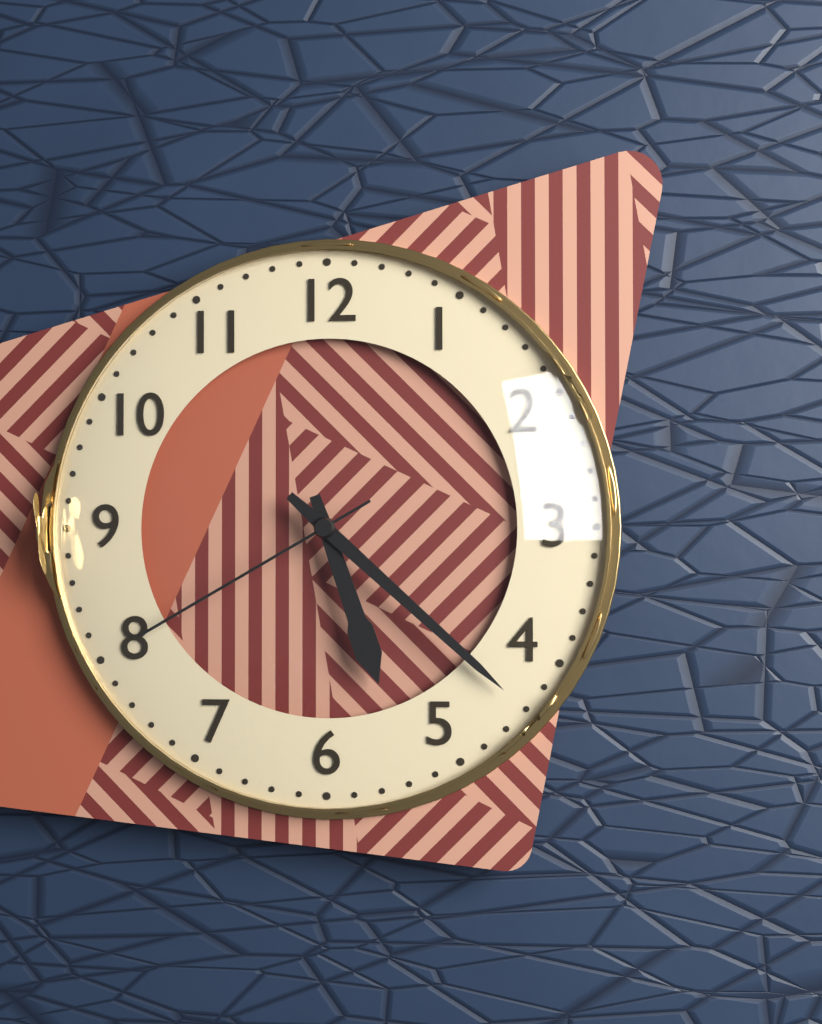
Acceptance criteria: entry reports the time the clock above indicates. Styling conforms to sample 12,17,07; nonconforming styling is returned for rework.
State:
5,22,40
